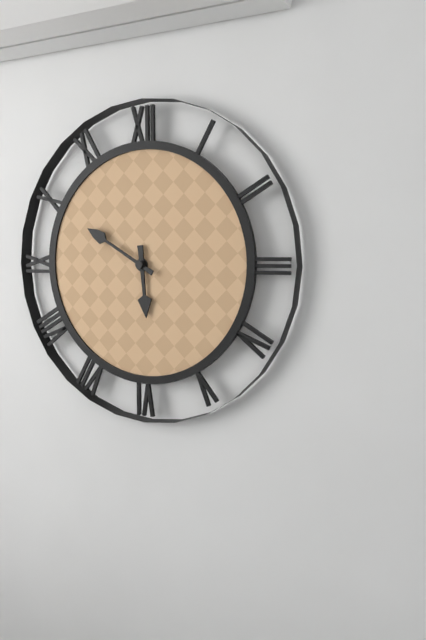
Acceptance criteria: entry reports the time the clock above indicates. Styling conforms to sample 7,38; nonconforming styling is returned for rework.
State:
5,50
